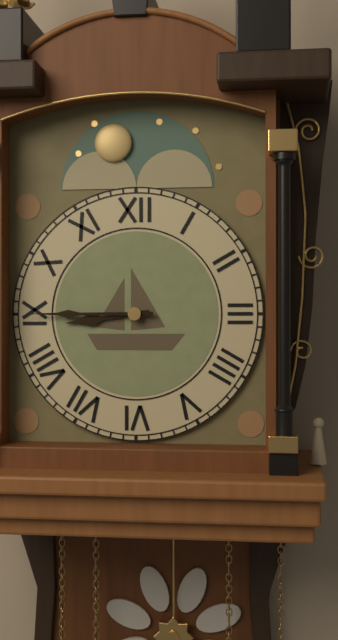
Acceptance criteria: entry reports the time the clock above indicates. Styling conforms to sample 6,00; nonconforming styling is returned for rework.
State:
8,45
